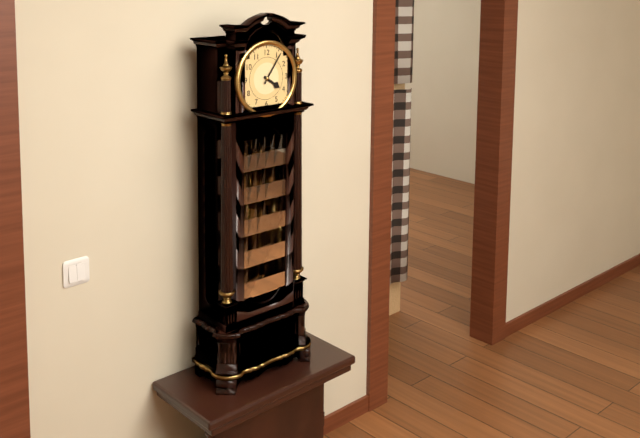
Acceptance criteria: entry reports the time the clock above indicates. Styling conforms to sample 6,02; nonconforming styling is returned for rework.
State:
4,06
